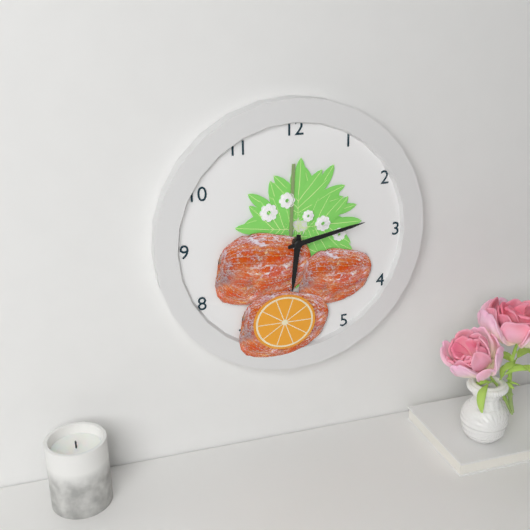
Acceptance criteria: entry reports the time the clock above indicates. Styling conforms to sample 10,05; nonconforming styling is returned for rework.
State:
6,13
